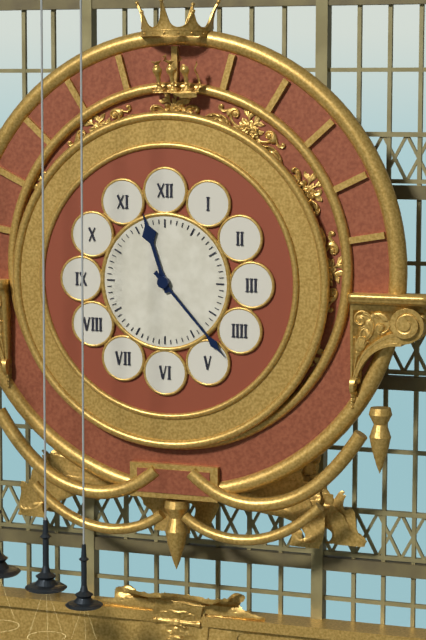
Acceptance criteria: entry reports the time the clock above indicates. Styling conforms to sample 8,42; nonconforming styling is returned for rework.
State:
11,23
